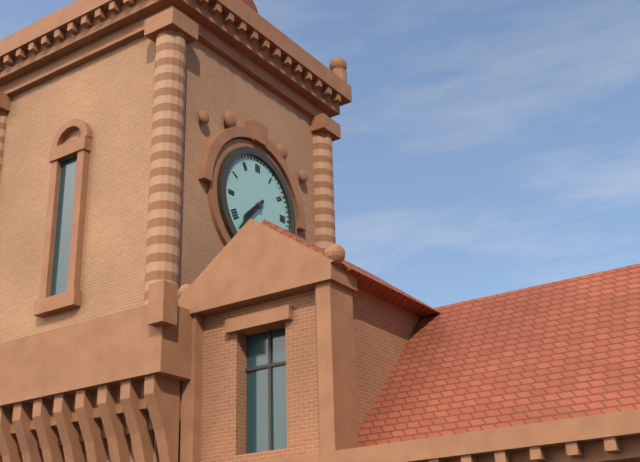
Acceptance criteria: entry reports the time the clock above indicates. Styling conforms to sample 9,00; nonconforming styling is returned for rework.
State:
7,37
